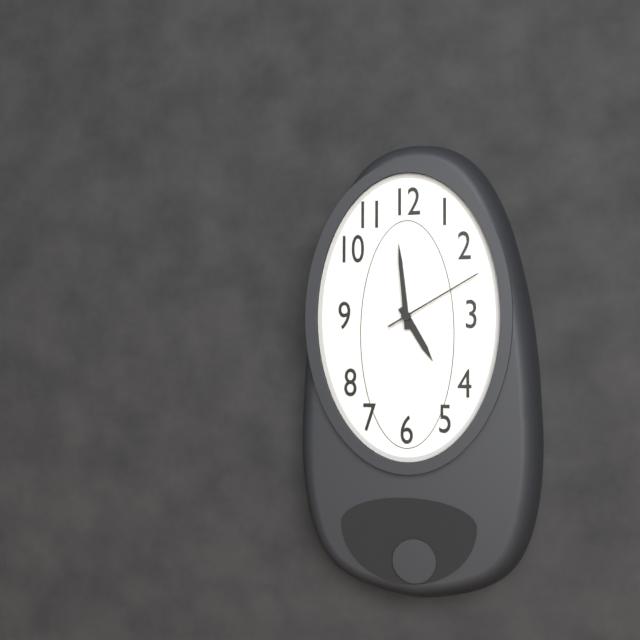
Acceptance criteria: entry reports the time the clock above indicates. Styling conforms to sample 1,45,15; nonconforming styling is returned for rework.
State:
4,59,10
